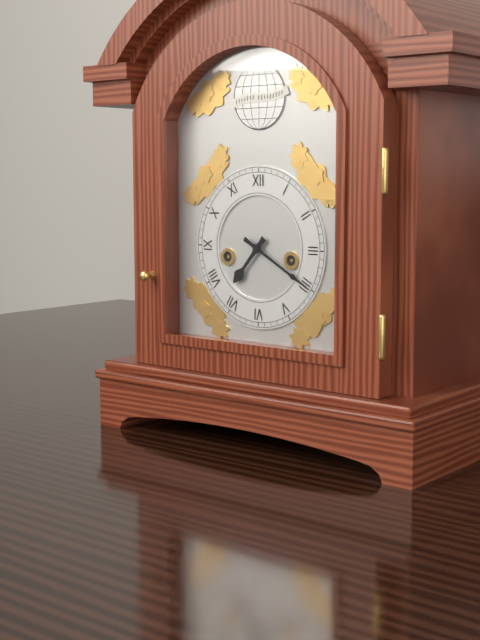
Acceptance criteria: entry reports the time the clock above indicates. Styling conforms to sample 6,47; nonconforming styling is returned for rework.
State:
7,20
